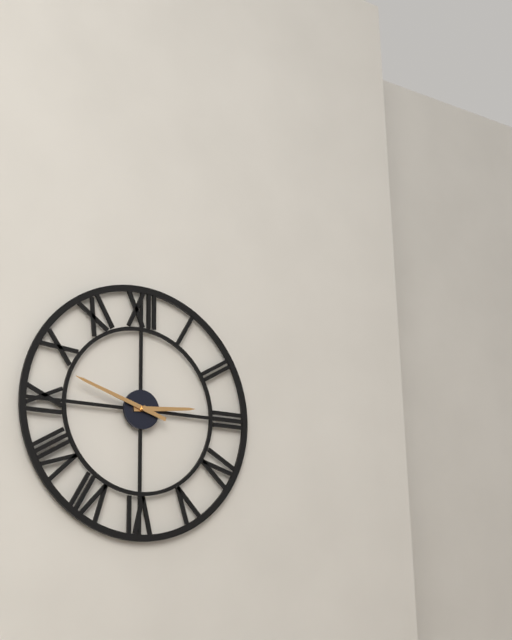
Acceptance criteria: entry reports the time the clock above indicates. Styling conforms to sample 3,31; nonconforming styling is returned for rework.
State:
2,48
